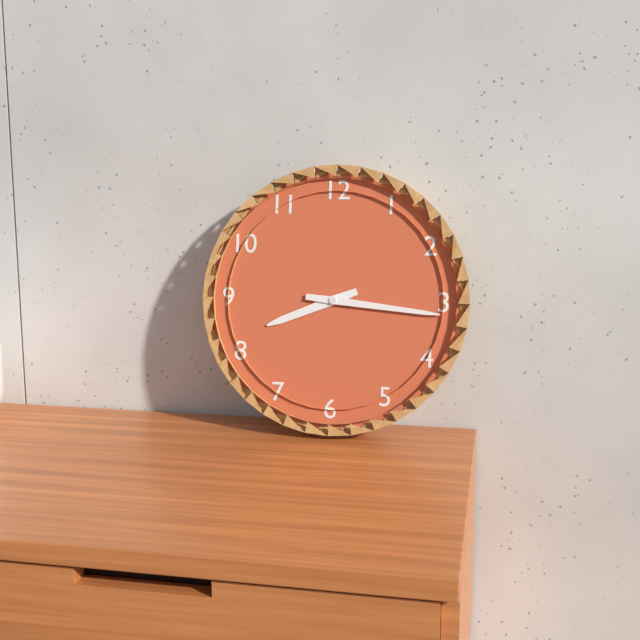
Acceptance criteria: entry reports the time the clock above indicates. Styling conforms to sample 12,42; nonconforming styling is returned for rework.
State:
8,16
